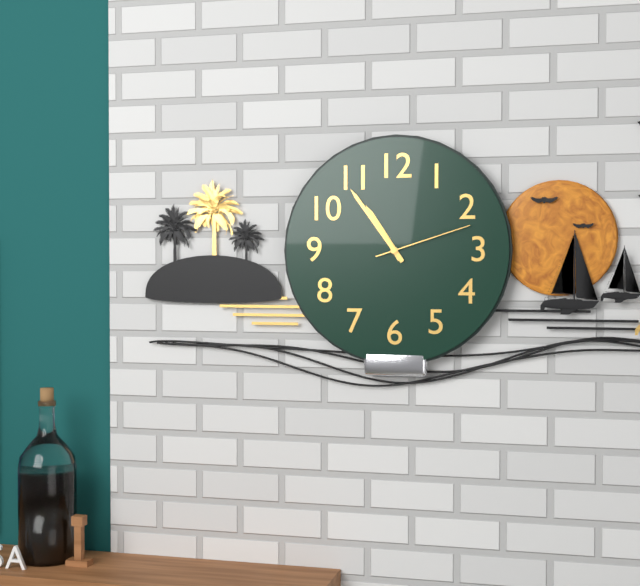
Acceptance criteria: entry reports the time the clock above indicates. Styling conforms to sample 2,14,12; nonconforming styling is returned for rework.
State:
10,54,12
